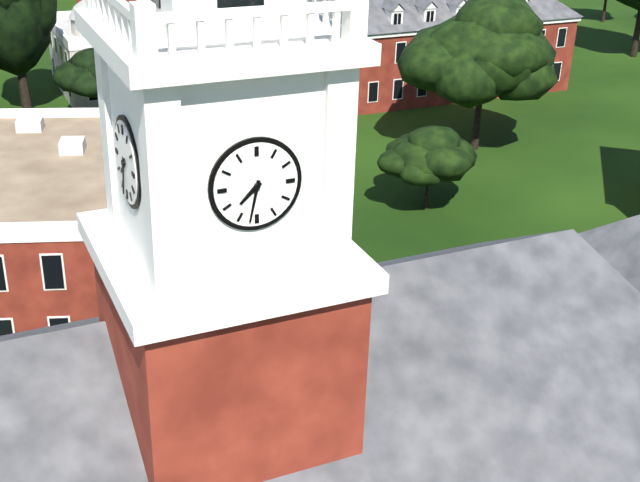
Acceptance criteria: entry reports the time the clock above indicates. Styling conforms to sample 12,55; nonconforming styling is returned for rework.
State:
7,32
